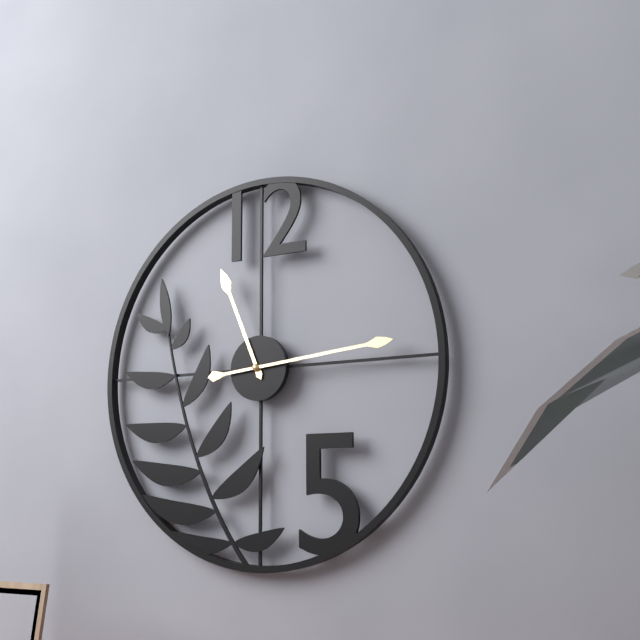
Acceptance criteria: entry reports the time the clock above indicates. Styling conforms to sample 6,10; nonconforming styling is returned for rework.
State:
11,14
